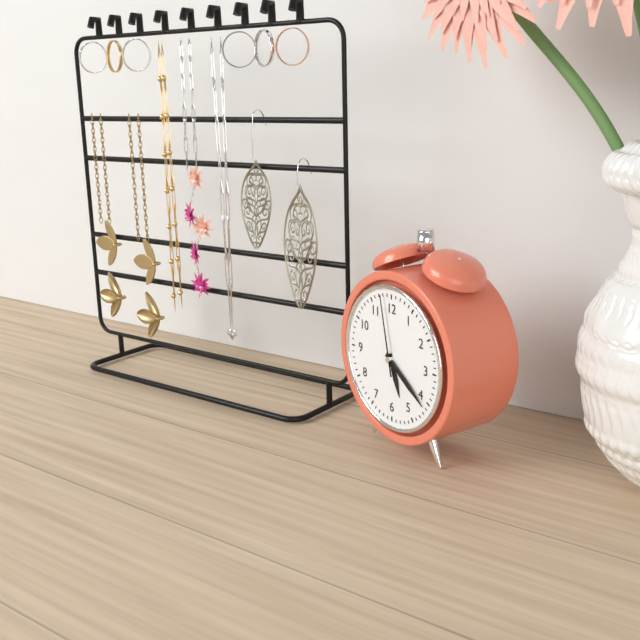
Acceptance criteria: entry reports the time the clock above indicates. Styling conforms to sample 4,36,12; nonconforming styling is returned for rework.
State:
5,21,58
